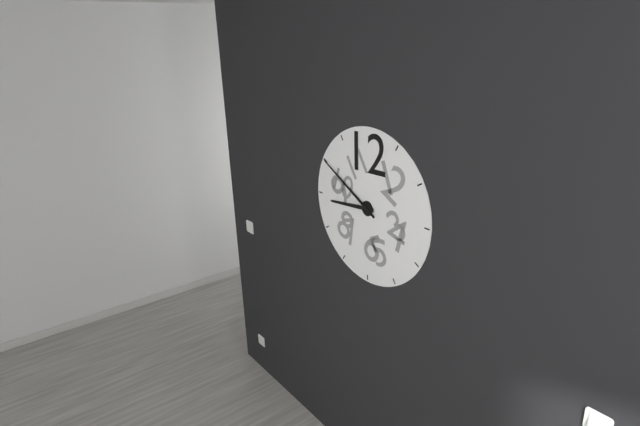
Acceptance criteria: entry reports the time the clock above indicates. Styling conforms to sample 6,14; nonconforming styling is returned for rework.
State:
8,50
